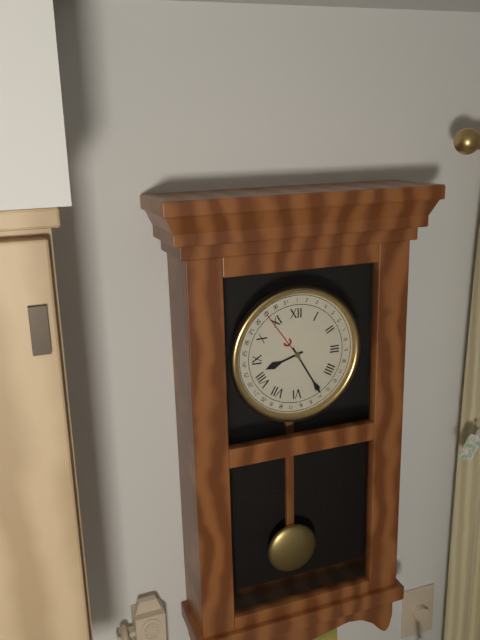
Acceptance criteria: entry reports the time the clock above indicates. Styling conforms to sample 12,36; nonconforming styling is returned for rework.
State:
8,25
